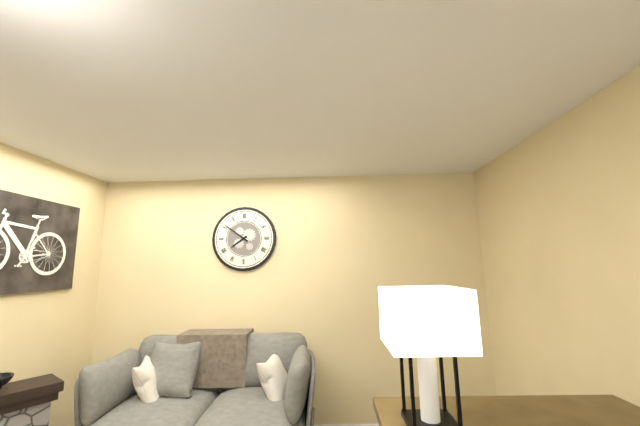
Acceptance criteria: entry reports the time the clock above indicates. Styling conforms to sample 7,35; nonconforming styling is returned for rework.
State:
7,51
